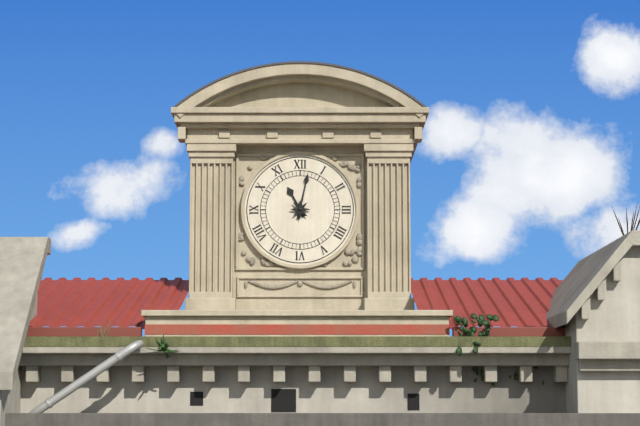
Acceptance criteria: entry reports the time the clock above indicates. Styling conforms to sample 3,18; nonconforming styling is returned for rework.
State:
11,02
